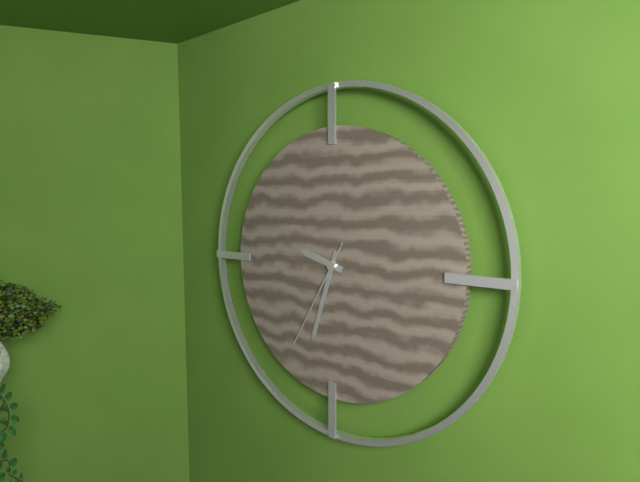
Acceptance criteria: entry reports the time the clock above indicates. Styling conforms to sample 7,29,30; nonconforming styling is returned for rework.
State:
9,33,35
